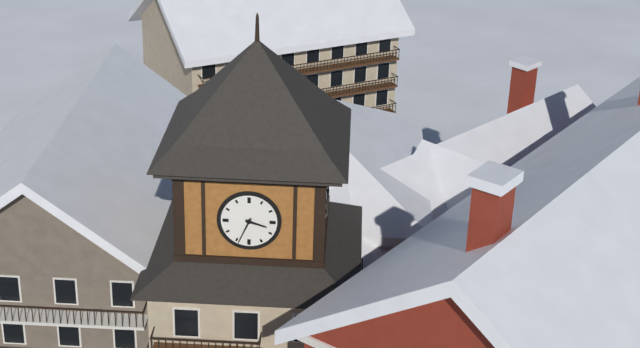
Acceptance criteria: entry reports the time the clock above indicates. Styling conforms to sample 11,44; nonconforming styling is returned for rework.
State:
3,34
